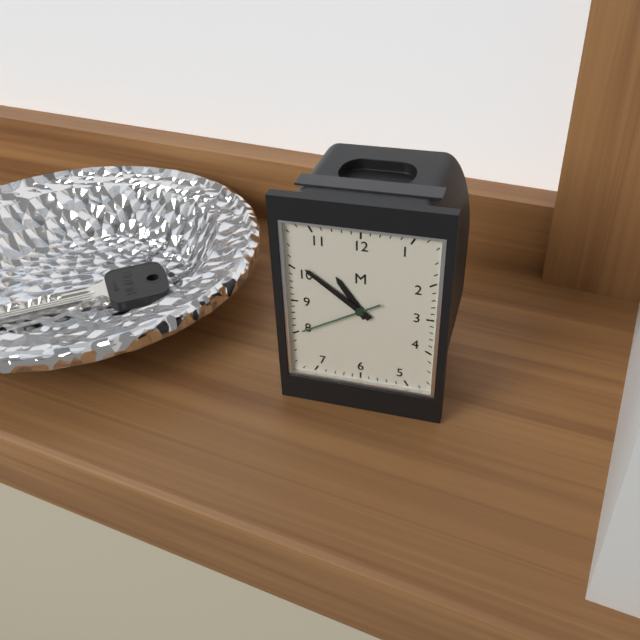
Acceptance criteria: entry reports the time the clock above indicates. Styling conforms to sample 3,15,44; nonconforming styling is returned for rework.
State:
10,51,40
